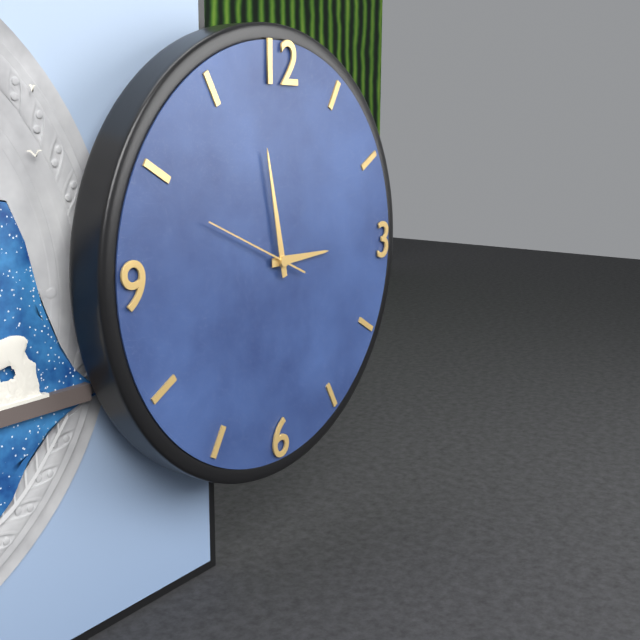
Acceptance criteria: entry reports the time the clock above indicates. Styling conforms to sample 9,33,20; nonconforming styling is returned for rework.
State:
2,58,49
